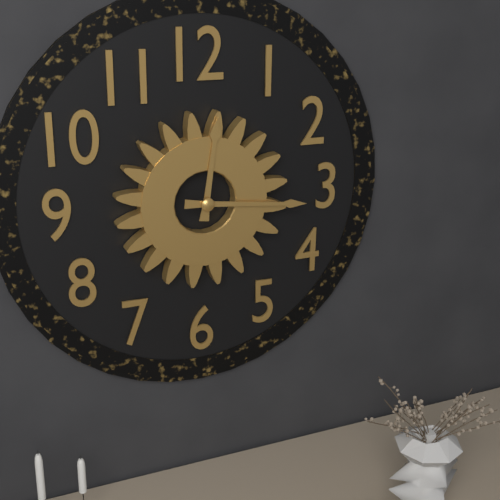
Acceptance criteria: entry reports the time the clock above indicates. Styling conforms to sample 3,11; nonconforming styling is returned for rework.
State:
12,16
